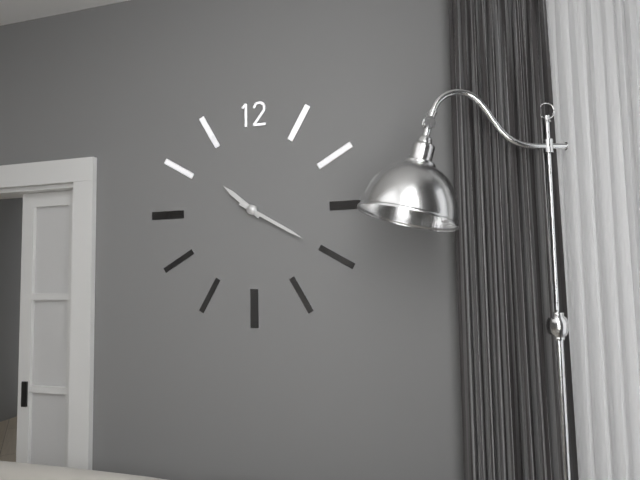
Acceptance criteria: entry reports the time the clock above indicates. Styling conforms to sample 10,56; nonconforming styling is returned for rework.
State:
10,20
